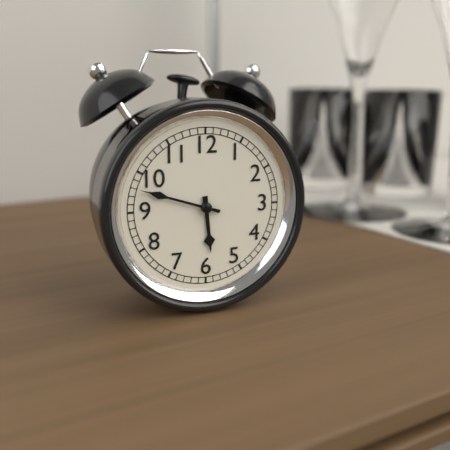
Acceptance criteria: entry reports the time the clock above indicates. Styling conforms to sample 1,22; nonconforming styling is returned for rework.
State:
5,48
